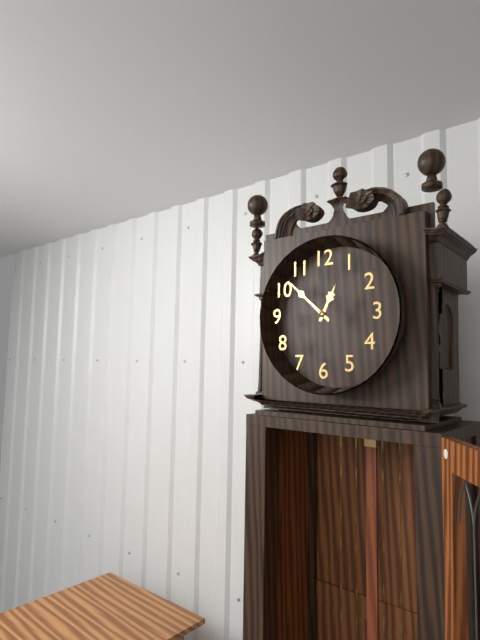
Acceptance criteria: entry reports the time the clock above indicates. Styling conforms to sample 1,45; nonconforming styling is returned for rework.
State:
12,52
